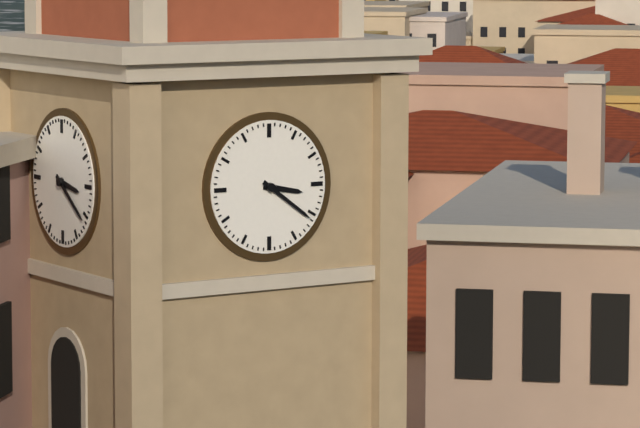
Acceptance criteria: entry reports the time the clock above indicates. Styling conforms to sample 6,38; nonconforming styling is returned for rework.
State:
3,21
